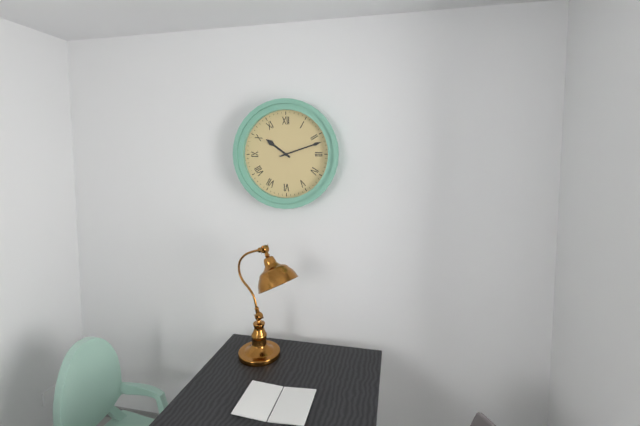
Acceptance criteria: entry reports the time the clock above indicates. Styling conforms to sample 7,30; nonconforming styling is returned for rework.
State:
10,12
